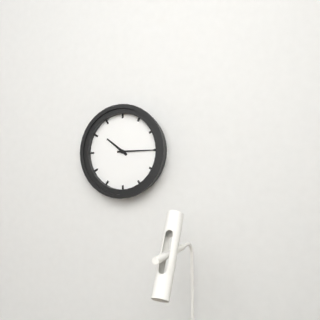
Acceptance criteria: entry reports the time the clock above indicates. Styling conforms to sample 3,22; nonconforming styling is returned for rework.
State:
10,15
